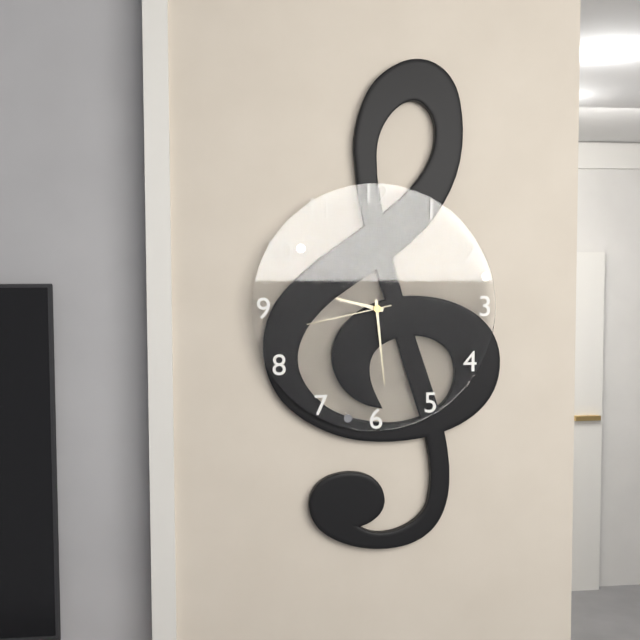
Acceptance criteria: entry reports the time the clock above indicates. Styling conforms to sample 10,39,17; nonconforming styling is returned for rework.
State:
9,29,43
